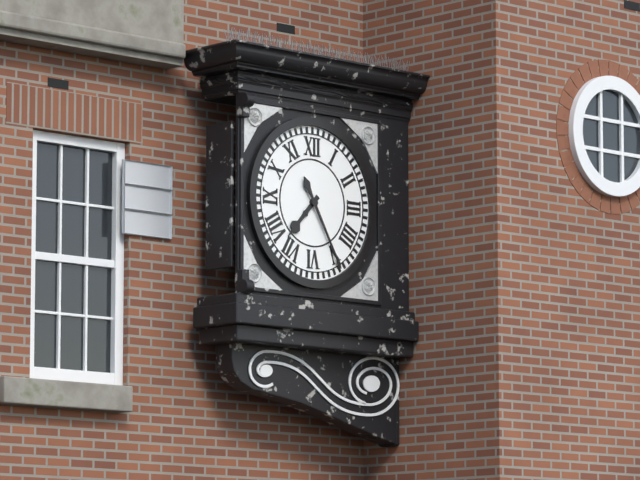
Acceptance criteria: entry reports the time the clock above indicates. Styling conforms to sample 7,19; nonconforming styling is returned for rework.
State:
7,25
